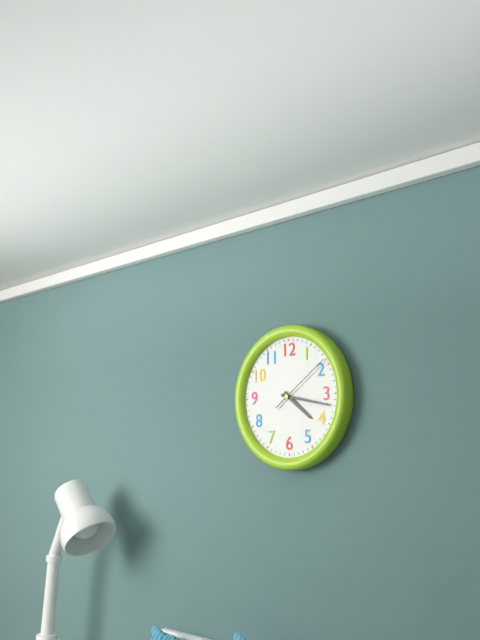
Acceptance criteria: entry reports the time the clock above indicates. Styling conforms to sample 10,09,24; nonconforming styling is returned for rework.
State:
4,17,09
